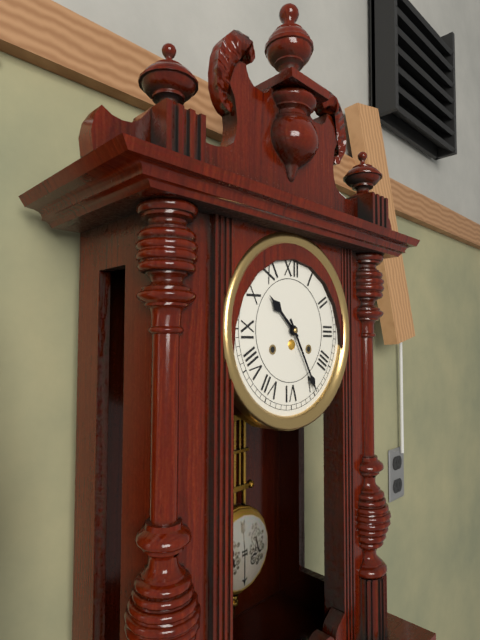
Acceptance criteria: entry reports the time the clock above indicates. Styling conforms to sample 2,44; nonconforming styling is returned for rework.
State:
10,25
